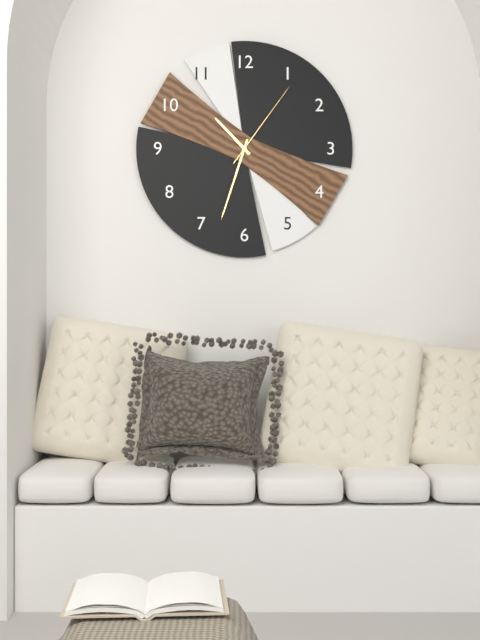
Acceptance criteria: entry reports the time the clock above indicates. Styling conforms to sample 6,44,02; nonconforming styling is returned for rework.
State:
10,33,06
